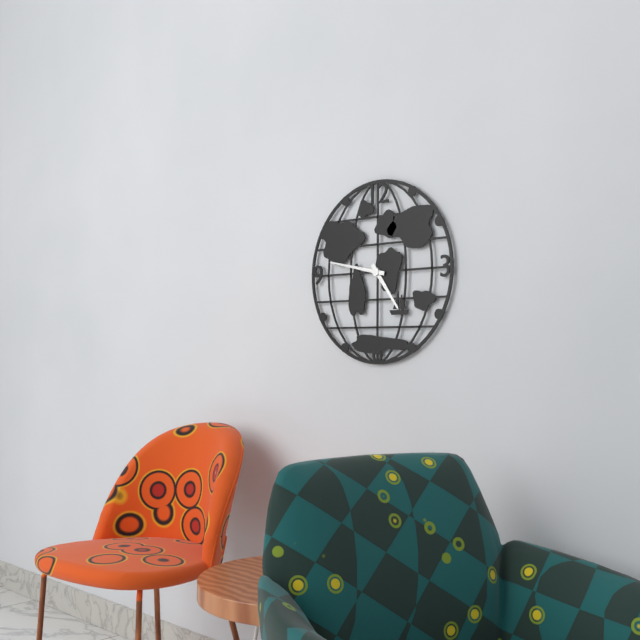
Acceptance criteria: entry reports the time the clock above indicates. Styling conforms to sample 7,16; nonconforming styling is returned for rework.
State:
4,47
